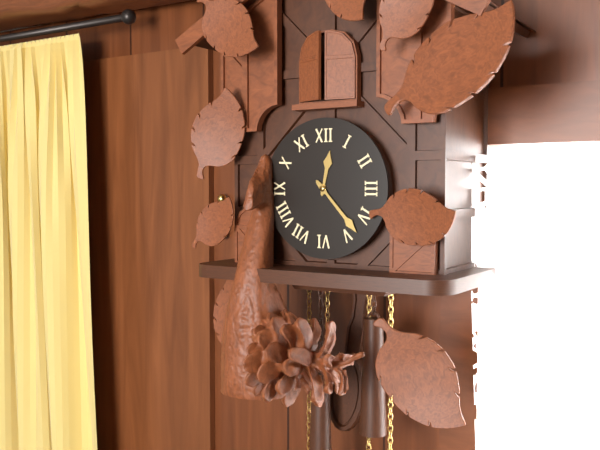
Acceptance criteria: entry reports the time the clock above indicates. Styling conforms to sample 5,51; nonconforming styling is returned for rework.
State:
12,23
